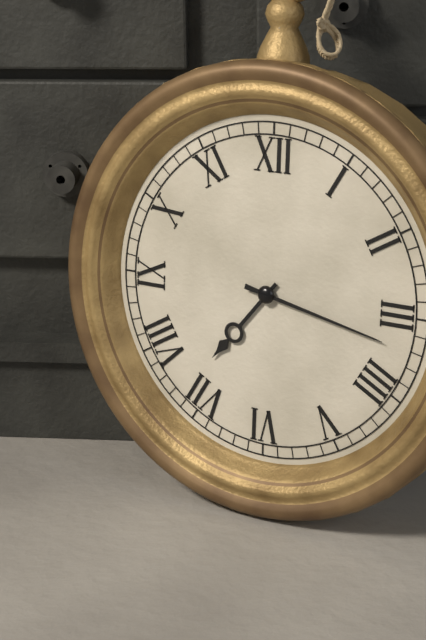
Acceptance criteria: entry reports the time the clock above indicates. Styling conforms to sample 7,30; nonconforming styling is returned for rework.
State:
7,17
